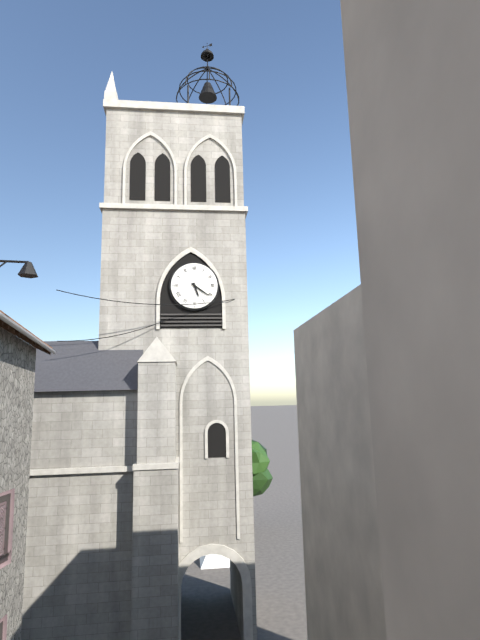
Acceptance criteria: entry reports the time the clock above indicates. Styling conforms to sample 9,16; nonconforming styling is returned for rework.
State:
5,21
